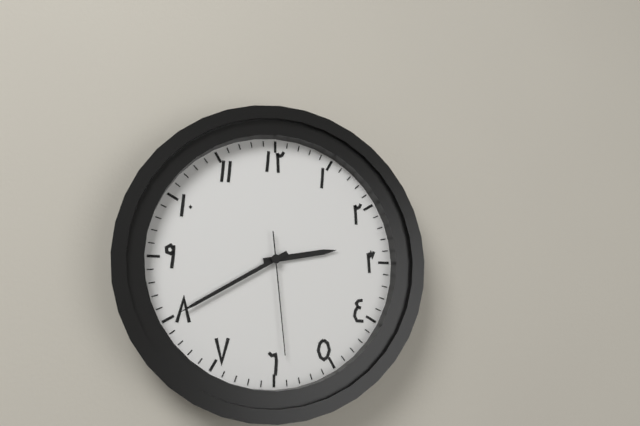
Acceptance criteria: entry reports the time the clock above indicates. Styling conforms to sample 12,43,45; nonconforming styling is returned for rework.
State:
2,40,29
